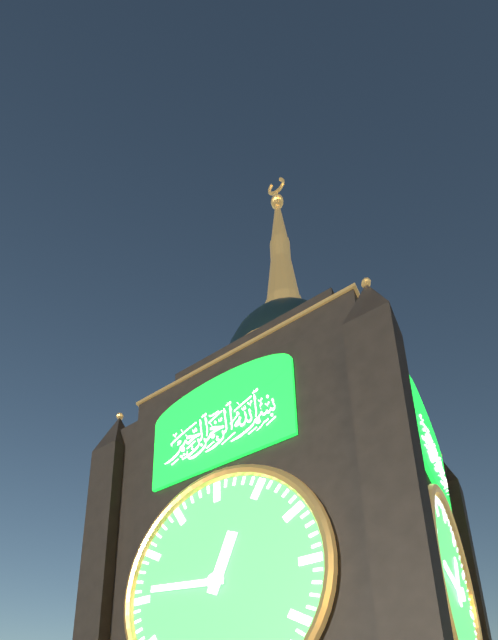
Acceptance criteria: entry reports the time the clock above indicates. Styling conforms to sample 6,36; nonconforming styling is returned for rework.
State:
12,46
